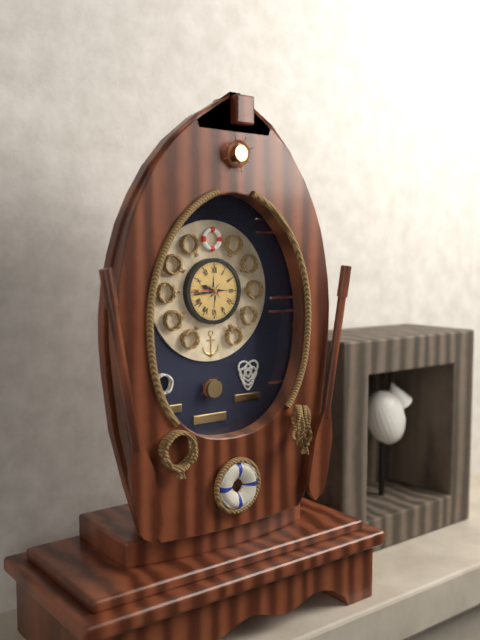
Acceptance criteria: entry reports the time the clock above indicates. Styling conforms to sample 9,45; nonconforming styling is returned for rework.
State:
9,44
